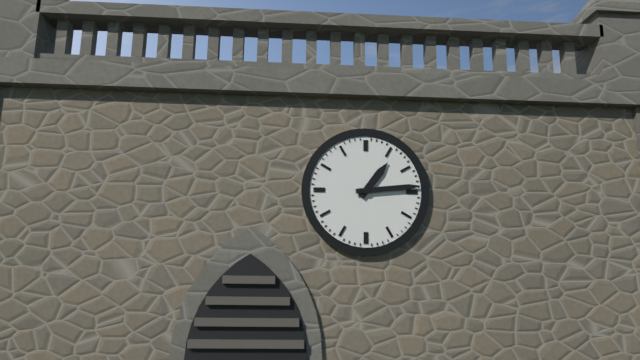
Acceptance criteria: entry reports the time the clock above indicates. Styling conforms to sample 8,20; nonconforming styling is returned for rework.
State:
1,14
